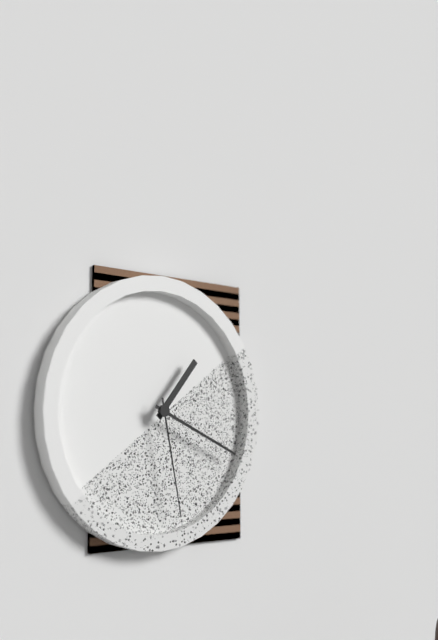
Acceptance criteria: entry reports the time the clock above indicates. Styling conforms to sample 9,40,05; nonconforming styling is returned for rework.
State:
1,19,28
